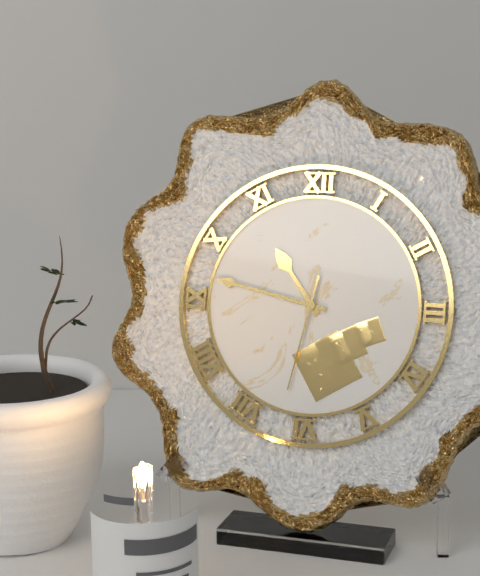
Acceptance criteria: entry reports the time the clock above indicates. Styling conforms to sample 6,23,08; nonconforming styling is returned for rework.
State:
10,47,32
